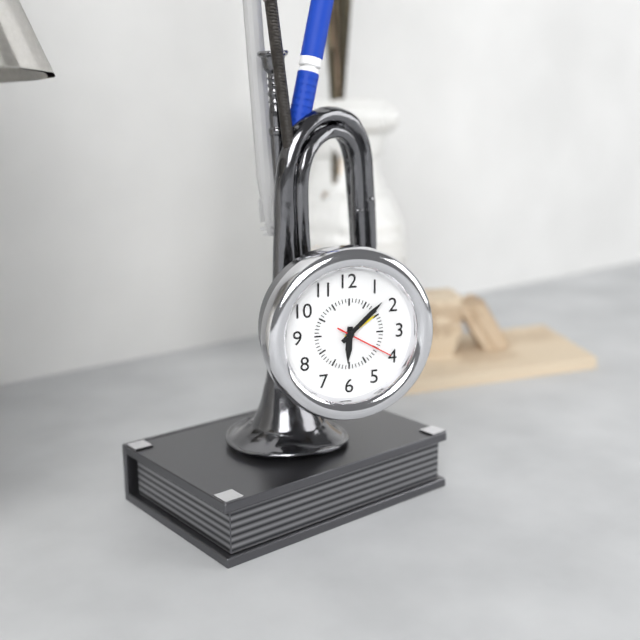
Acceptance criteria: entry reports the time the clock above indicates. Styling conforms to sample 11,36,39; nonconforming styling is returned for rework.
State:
6,08,20
